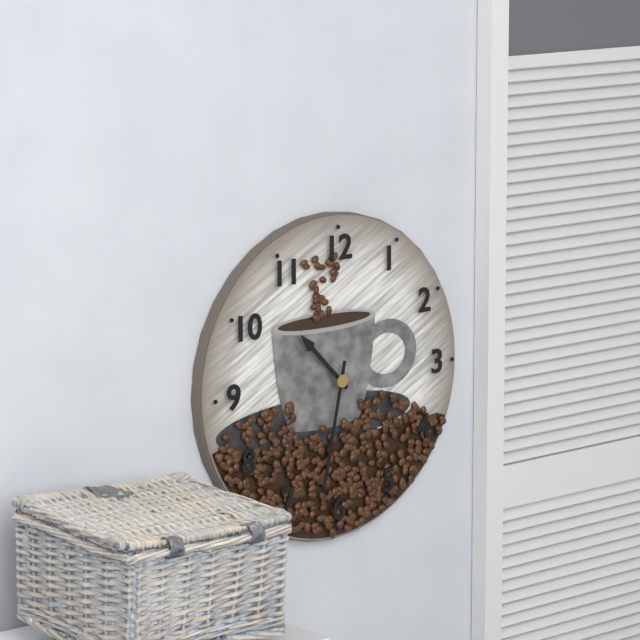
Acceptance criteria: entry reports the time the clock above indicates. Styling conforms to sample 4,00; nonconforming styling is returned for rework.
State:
10,32
